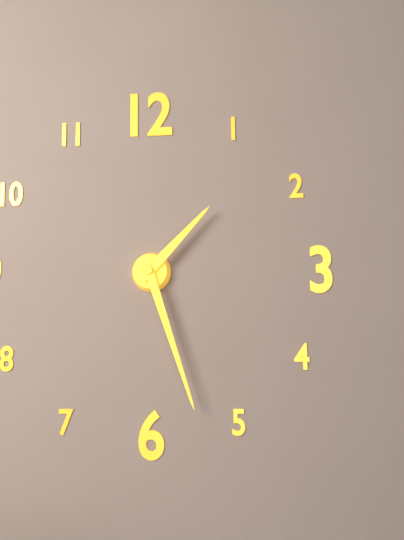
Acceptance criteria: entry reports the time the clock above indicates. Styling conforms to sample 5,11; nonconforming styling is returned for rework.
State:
1,27
